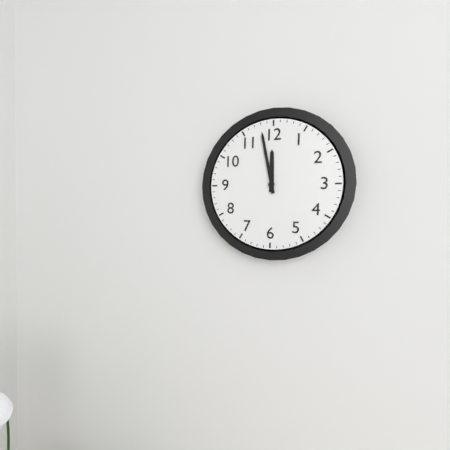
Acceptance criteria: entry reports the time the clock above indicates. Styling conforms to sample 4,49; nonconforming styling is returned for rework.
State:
11,58
